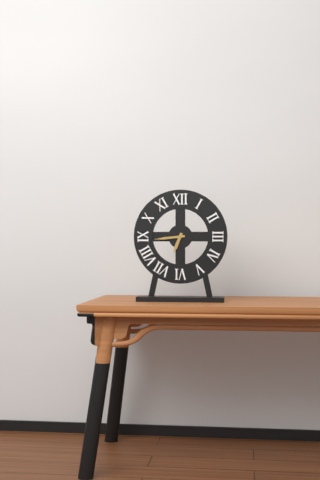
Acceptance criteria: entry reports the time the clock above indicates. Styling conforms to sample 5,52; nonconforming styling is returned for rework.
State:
6,44
